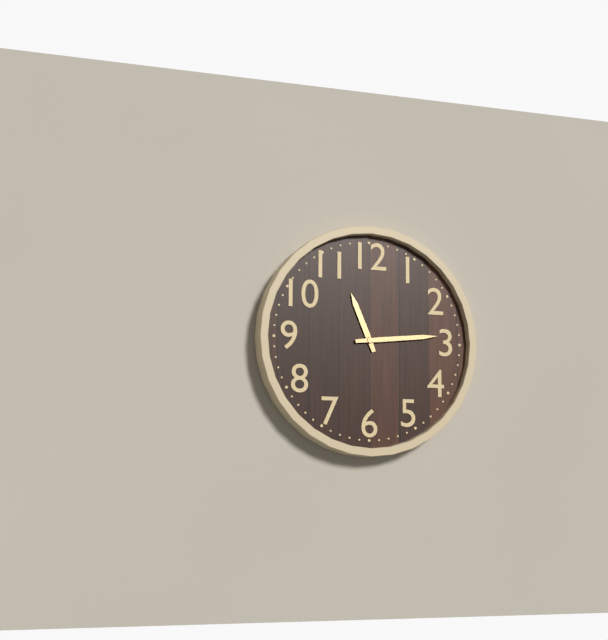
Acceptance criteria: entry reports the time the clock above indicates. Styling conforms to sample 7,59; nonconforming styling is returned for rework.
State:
11,14
